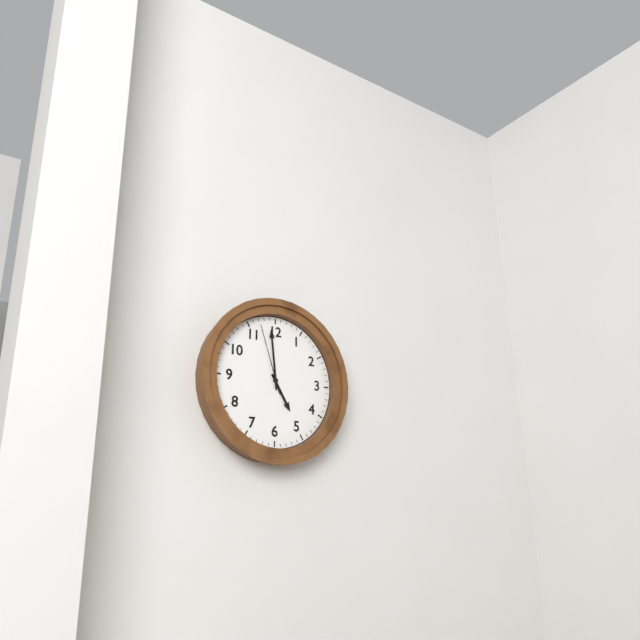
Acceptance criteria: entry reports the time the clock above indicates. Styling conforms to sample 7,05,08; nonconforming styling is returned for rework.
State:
4,59,57
